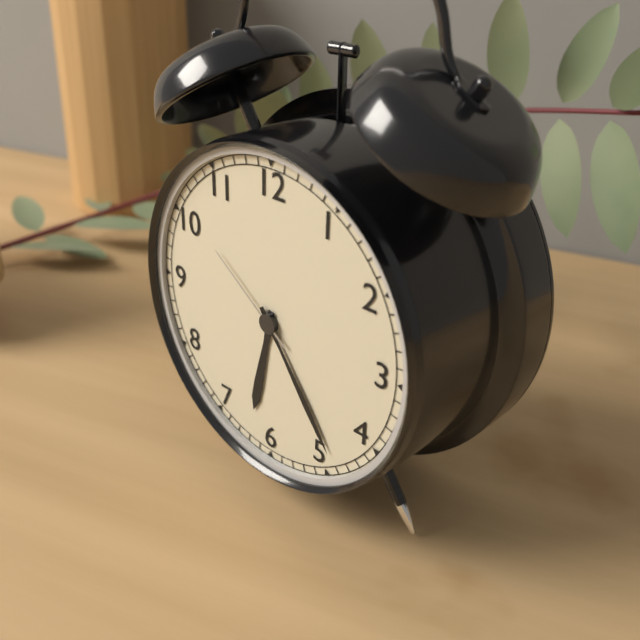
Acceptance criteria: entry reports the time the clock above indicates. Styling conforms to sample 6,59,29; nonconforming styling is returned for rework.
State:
6,24,51
